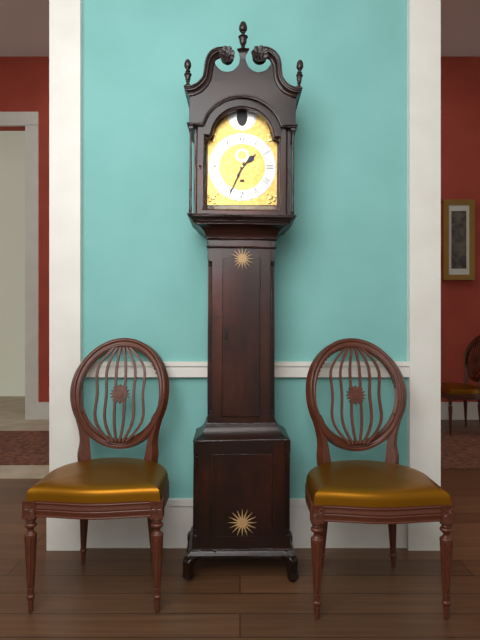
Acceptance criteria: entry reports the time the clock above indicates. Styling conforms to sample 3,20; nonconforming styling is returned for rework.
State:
1,34
